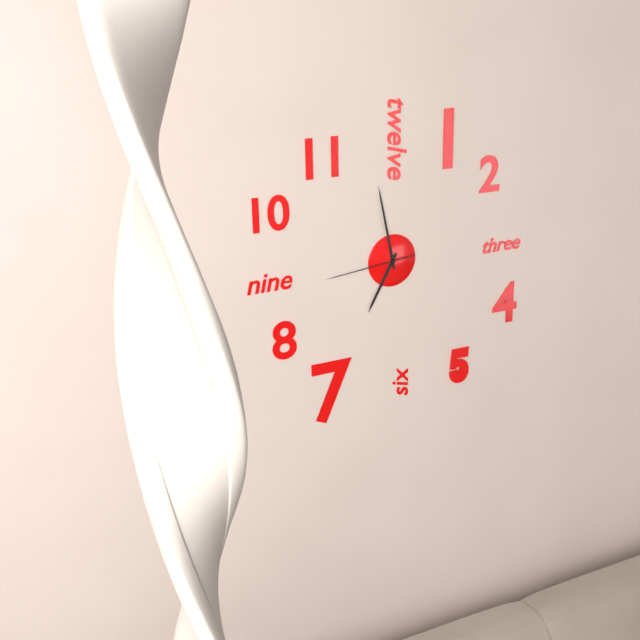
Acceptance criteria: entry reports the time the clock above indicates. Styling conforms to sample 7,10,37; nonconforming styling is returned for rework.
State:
6,58,44
